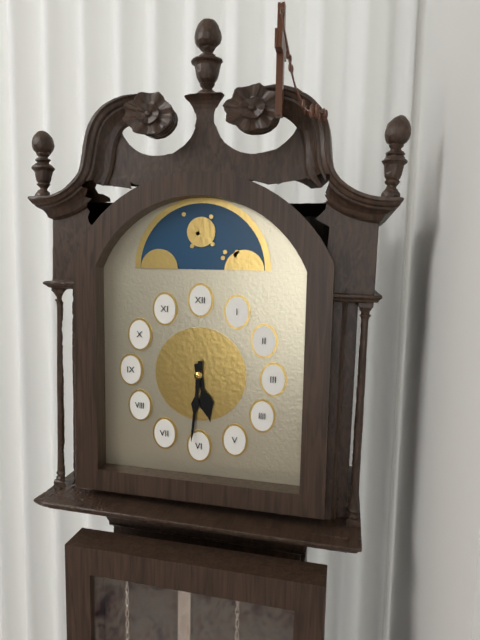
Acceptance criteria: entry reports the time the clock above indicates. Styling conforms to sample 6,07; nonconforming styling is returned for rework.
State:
5,31
